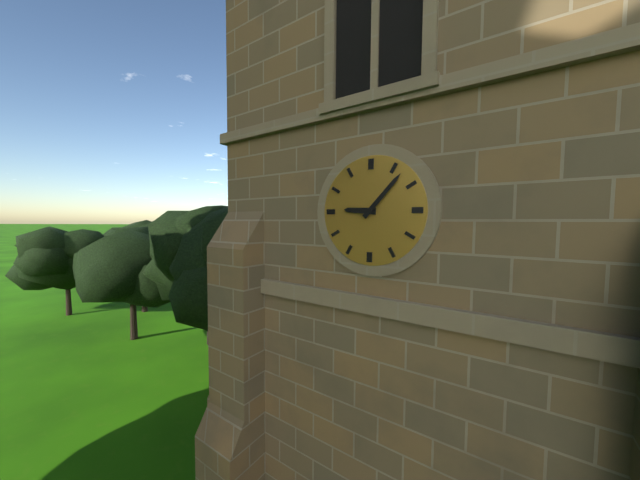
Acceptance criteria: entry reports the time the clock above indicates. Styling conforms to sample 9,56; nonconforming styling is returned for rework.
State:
9,07
